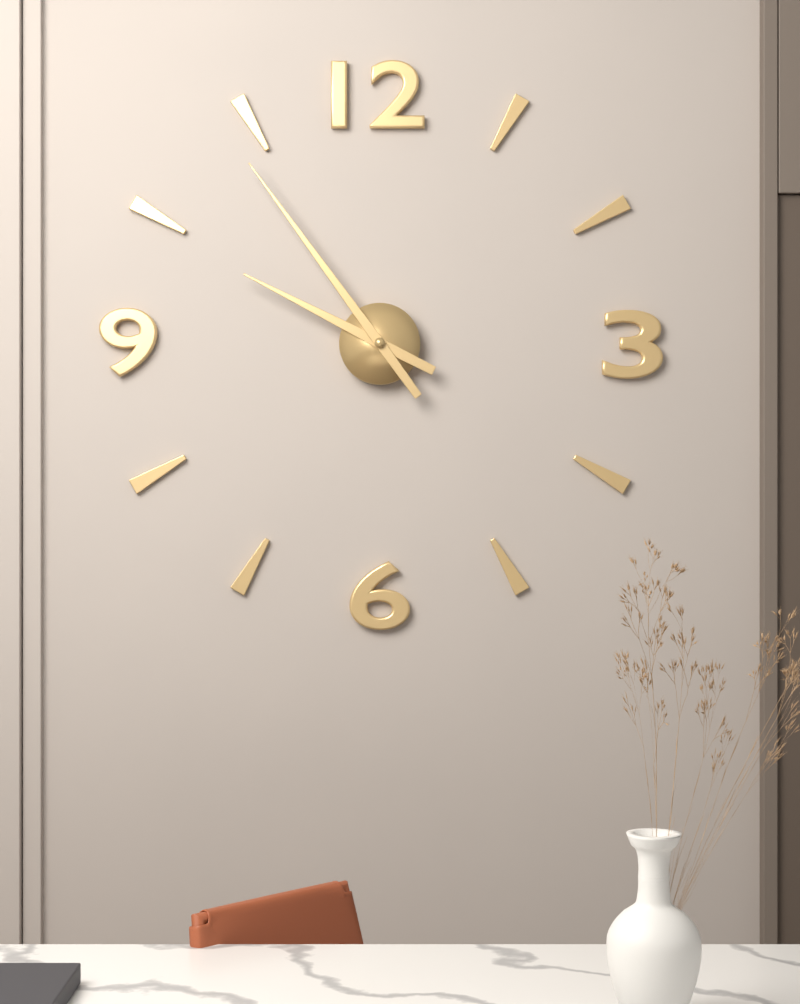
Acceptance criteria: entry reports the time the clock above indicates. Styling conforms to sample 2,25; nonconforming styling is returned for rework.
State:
9,54
